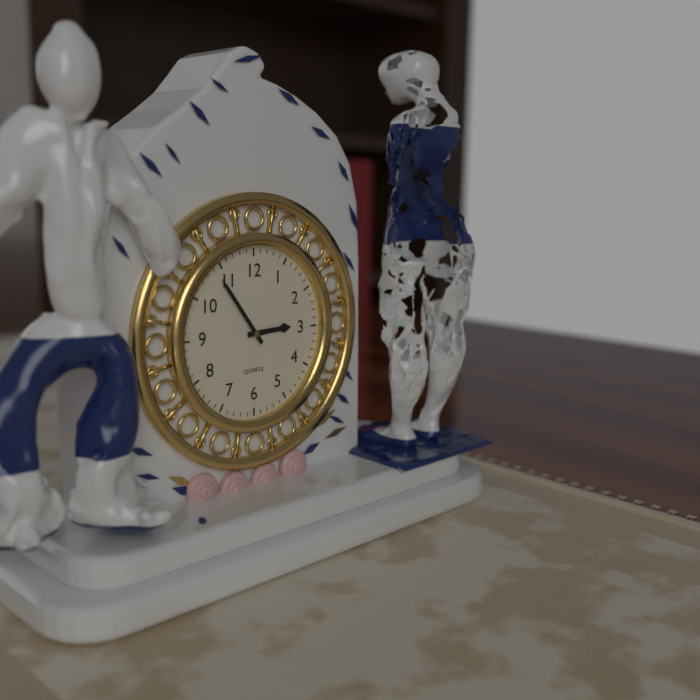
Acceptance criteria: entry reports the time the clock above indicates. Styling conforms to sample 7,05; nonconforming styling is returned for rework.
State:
2,54
